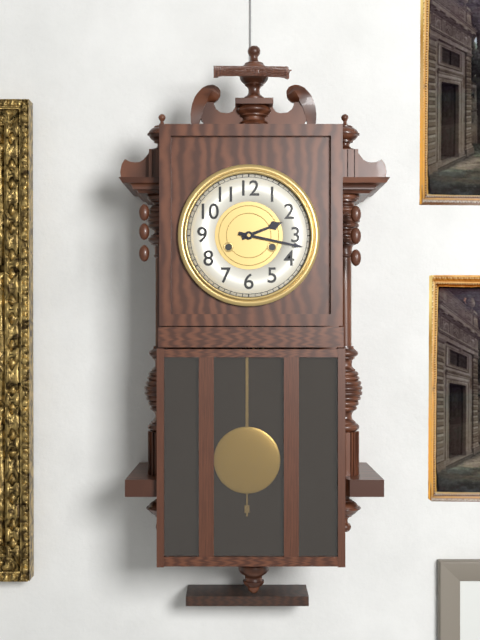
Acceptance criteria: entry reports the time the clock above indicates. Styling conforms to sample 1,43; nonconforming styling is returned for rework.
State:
2,17
